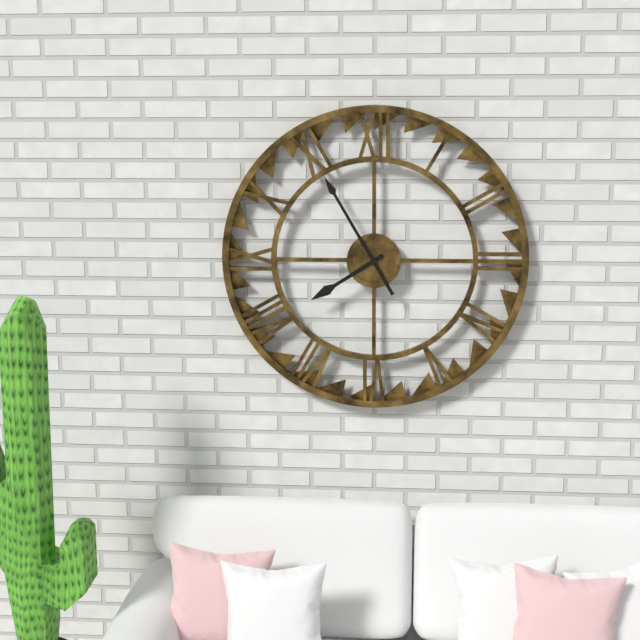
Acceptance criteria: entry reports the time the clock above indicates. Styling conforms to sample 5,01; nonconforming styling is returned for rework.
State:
7,55
